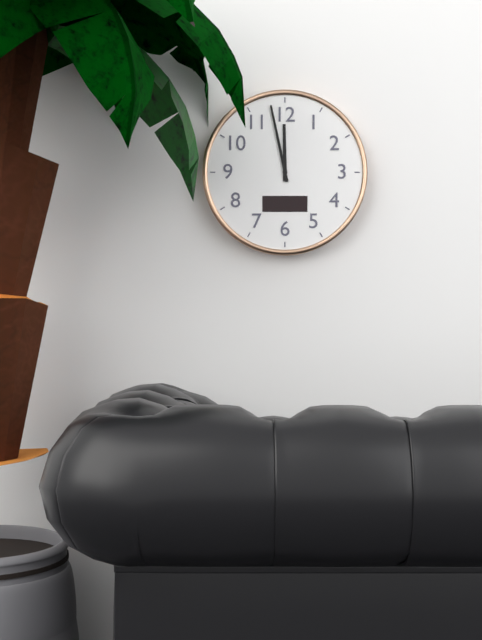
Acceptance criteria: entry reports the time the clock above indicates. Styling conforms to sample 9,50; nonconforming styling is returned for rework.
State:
11,58
